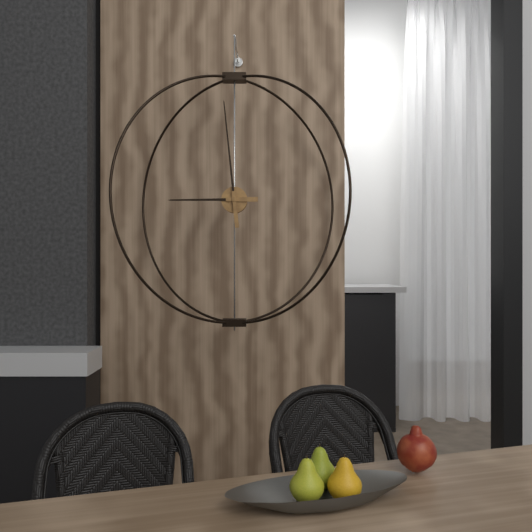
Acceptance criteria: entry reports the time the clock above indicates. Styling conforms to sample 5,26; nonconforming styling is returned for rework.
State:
8,59
